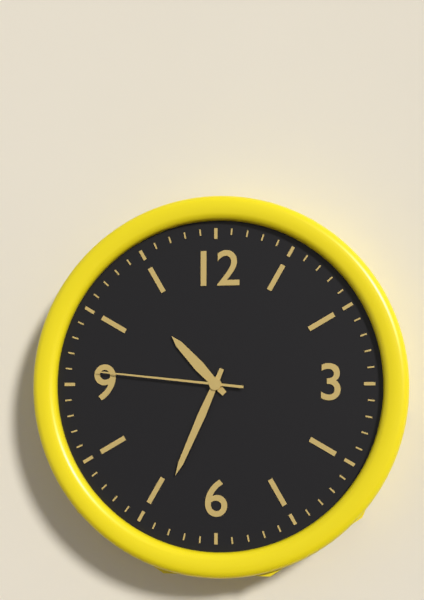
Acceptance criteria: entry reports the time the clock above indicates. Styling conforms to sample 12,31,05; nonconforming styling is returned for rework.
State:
10,34,46
